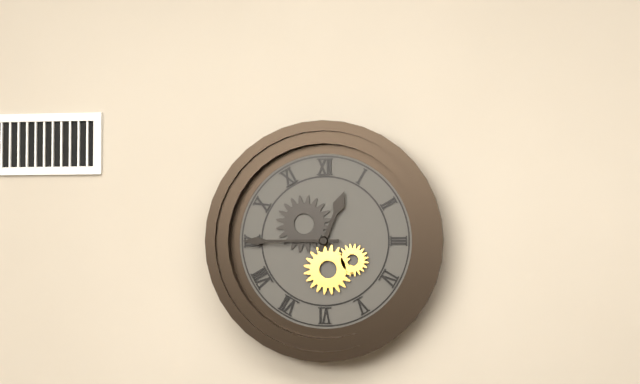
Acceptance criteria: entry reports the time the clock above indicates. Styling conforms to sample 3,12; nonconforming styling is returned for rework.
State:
12,45
